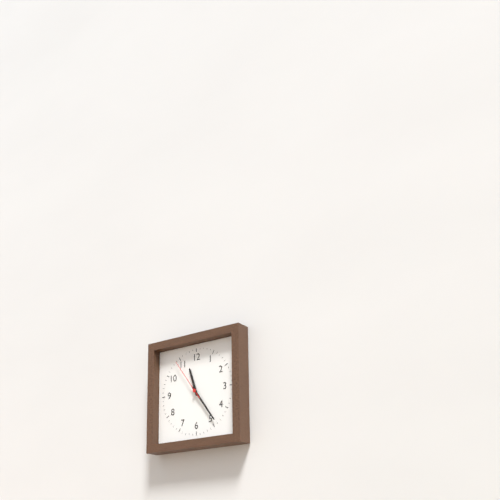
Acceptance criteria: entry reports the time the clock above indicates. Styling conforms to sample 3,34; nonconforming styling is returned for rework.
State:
11,24
